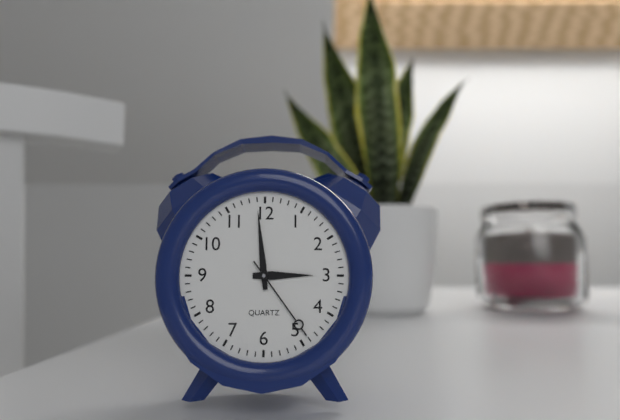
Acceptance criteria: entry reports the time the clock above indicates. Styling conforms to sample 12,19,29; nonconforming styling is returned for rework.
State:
2,59,24
